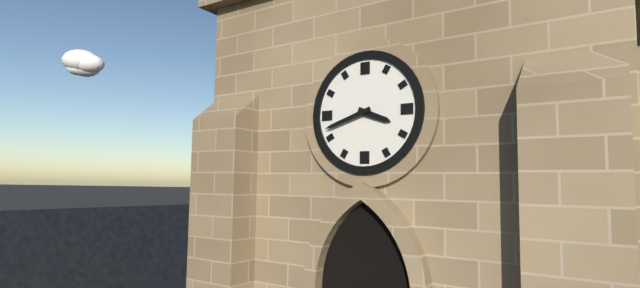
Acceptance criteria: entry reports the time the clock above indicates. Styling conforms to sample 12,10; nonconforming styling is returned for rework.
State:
3,42
